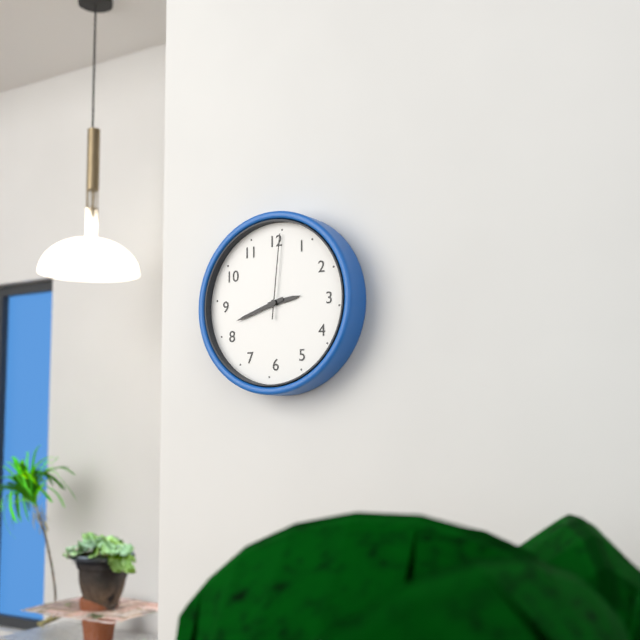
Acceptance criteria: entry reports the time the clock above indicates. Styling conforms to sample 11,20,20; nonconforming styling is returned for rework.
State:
2,42,01
